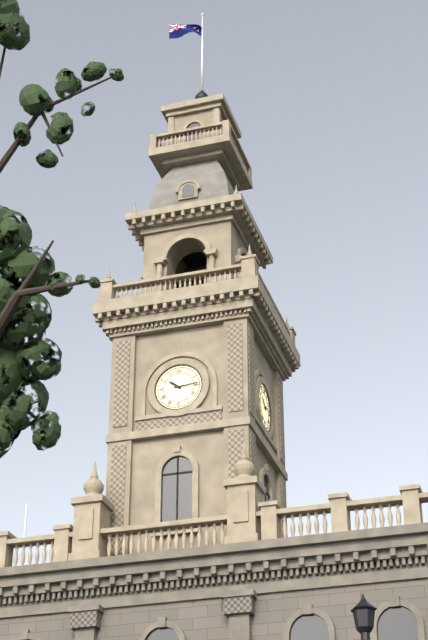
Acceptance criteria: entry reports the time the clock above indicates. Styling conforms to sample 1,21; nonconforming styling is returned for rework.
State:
10,14
